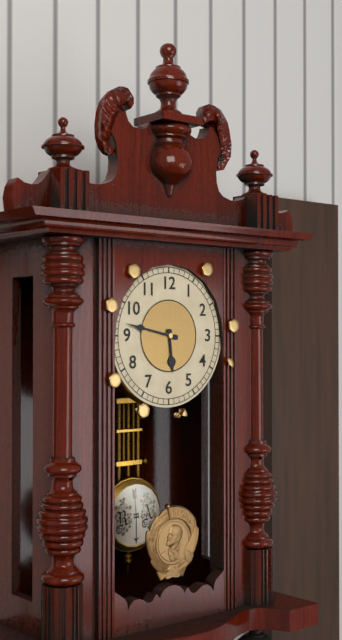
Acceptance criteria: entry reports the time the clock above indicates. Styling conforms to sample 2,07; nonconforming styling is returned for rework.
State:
5,47
